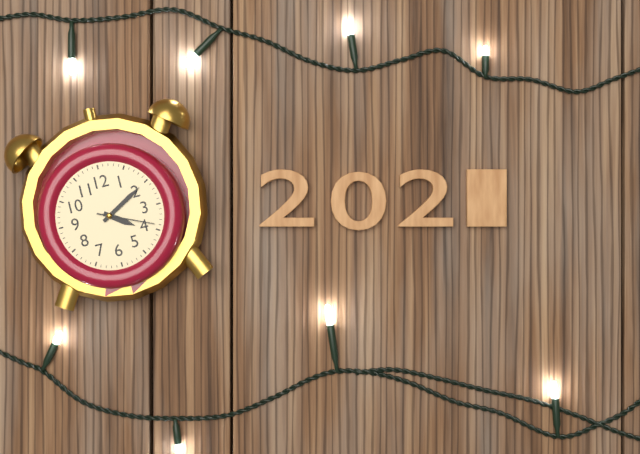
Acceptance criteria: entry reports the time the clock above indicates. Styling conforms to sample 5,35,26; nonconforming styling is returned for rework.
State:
4,10,19
